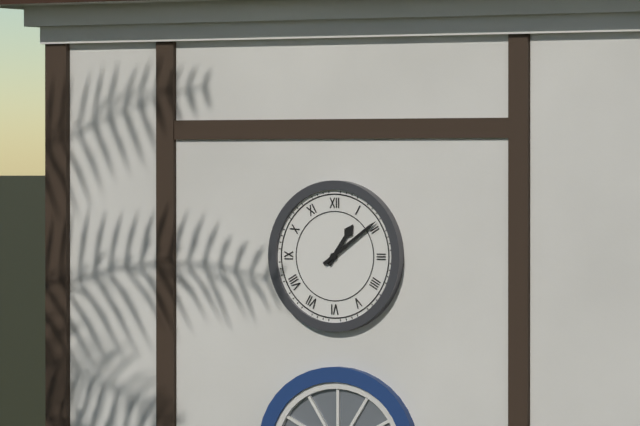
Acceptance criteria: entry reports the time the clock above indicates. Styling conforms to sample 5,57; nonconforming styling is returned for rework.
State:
1,09
